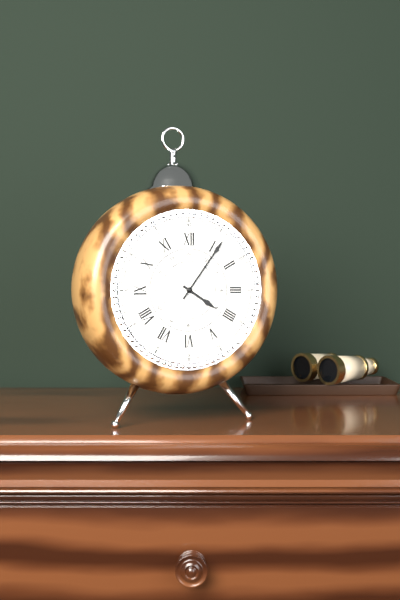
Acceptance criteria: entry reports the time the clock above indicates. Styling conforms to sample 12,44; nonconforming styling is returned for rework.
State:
4,06
